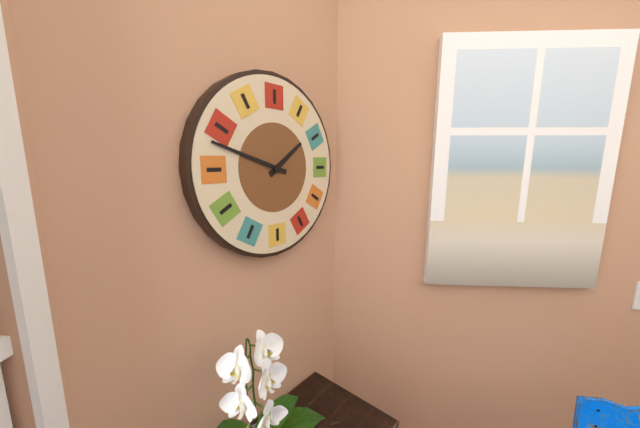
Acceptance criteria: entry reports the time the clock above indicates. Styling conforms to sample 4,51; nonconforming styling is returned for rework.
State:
1,48
